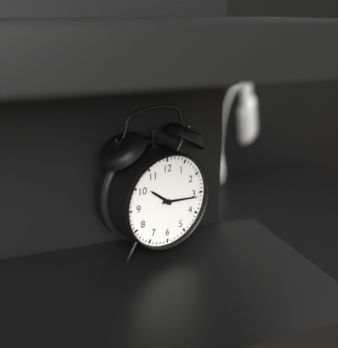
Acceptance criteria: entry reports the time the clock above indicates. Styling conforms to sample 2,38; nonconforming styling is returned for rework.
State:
10,16
